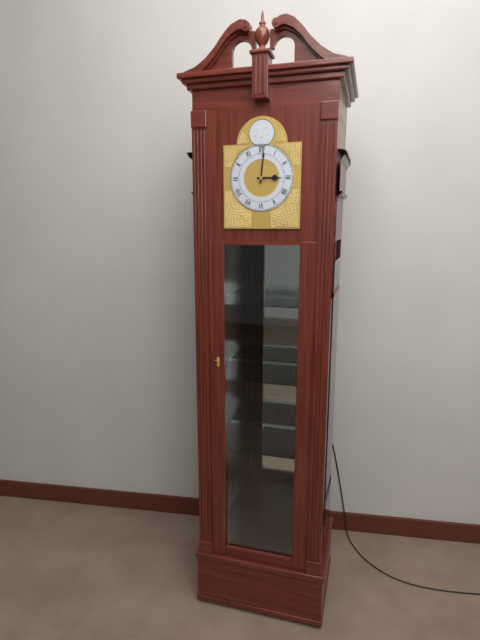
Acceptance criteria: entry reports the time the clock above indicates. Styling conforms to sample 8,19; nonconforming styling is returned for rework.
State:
3,01
